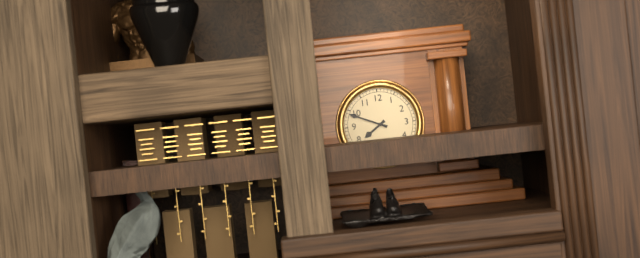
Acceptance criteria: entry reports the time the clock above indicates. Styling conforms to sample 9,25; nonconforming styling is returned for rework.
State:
7,49
